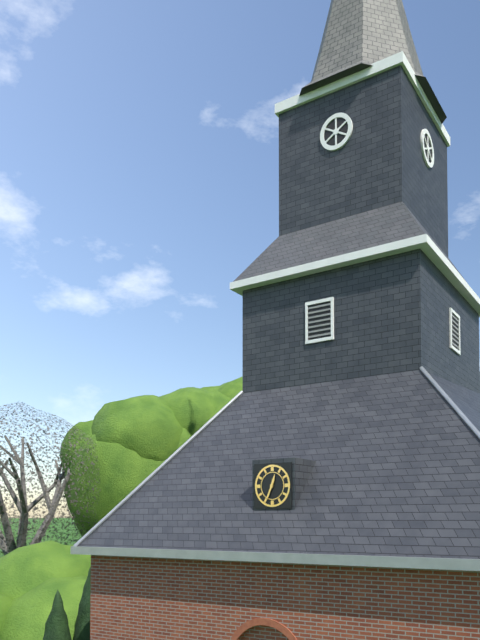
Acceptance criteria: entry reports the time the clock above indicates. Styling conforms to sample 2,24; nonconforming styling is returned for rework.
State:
12,34
